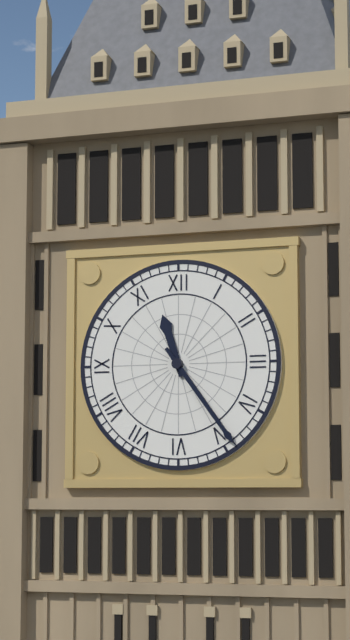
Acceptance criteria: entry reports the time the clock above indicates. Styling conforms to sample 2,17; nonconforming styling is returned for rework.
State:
11,24
